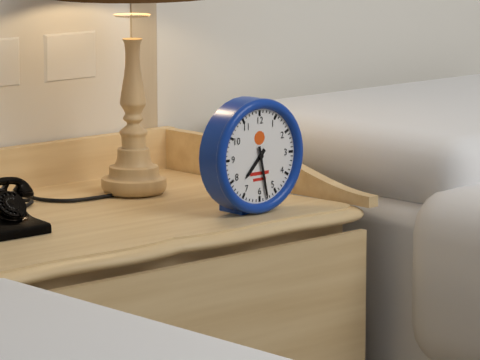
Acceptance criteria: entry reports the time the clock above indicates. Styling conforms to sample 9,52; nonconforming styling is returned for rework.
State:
7,28
